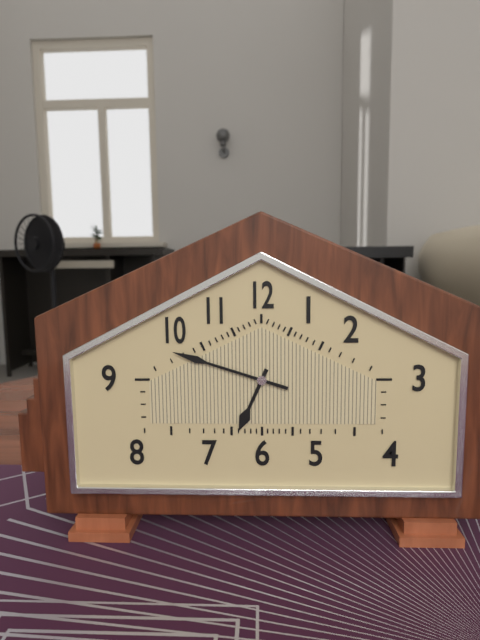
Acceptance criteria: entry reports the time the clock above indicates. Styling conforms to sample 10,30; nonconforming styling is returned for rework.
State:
6,48
